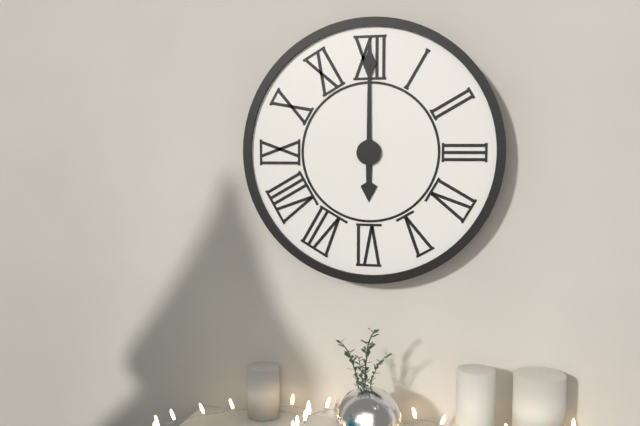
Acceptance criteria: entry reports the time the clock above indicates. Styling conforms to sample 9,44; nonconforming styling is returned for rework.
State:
6,00
